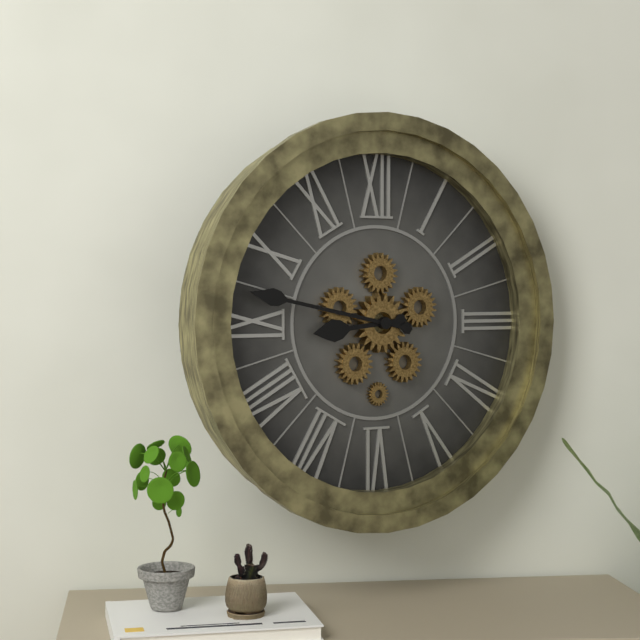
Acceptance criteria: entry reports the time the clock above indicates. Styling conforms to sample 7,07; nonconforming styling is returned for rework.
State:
8,47
